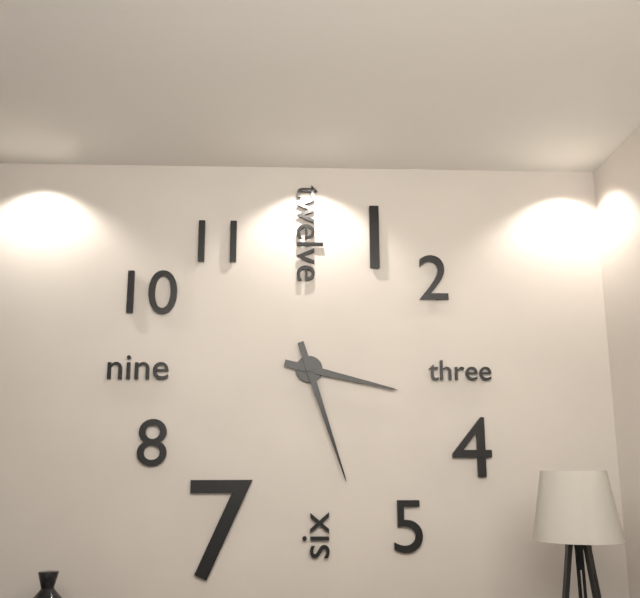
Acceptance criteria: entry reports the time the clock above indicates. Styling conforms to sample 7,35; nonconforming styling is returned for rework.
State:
3,27
